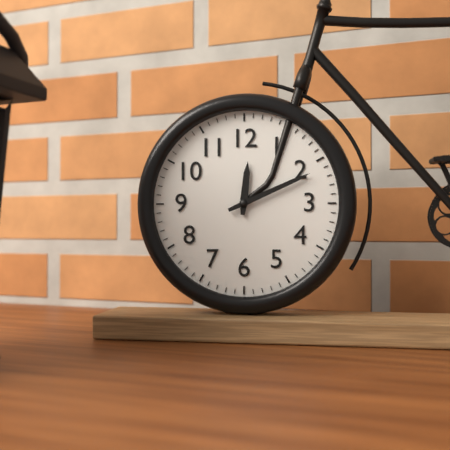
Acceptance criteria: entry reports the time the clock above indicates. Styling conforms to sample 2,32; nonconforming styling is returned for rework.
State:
12,11
